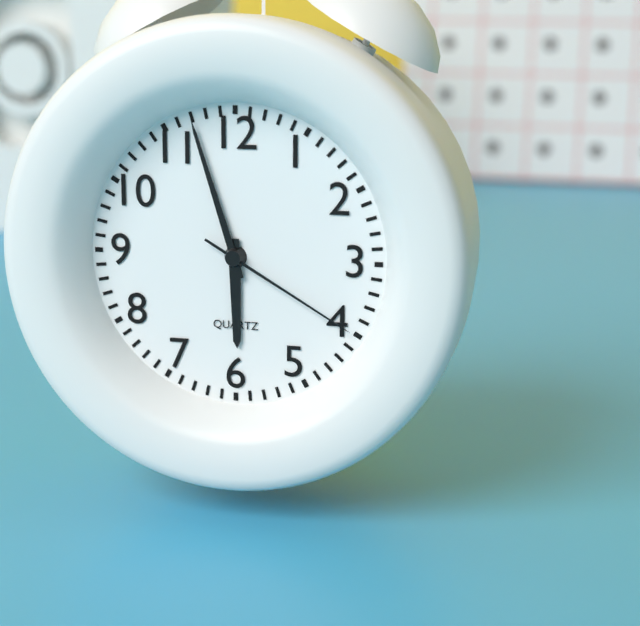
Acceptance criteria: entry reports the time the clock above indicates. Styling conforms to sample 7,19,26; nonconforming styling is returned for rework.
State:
5,57,20
